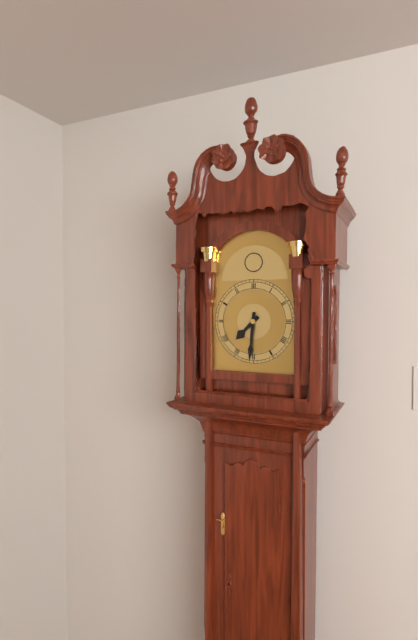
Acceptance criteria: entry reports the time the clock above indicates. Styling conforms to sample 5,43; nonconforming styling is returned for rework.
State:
7,31
